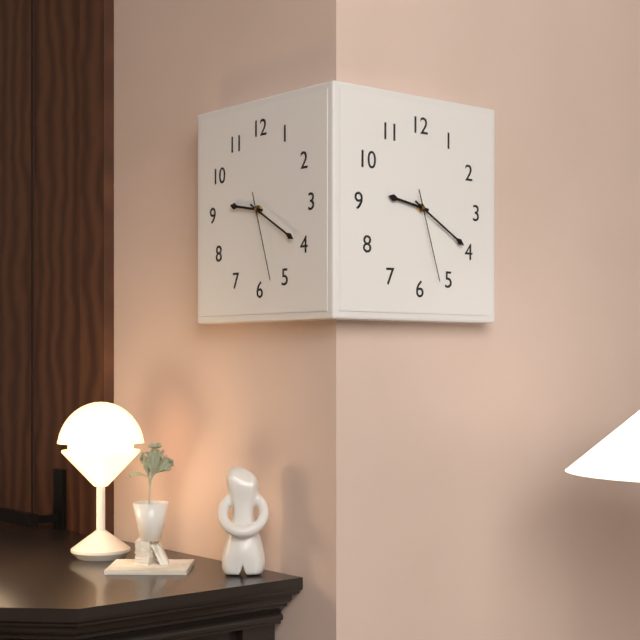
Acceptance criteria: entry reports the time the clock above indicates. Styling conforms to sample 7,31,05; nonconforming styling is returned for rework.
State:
9,20,27
